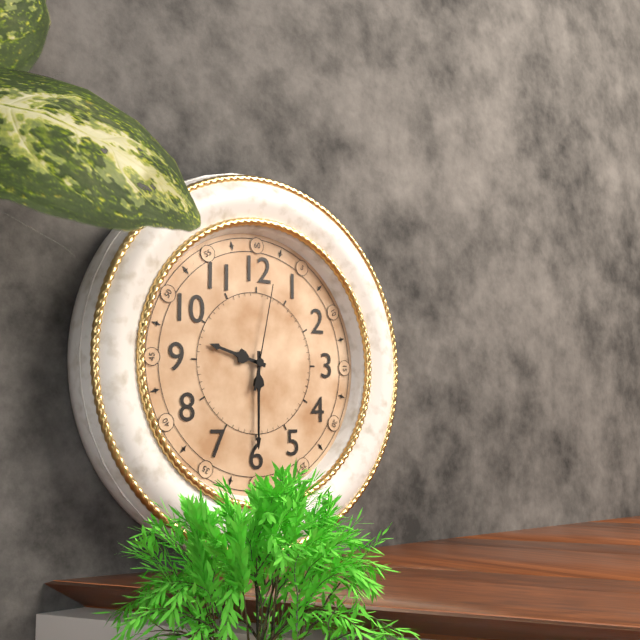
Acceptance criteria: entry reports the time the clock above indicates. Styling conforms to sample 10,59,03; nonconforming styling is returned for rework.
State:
9,30,02
